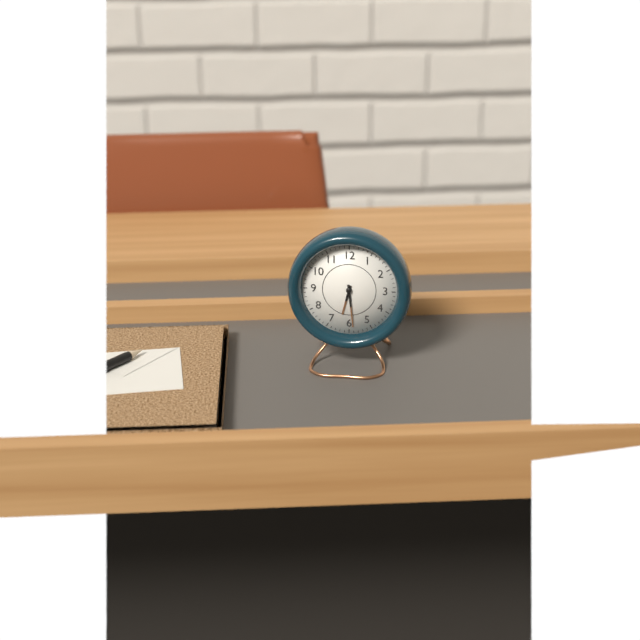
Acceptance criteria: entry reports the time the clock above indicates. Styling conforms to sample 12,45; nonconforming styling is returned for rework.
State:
6,29
